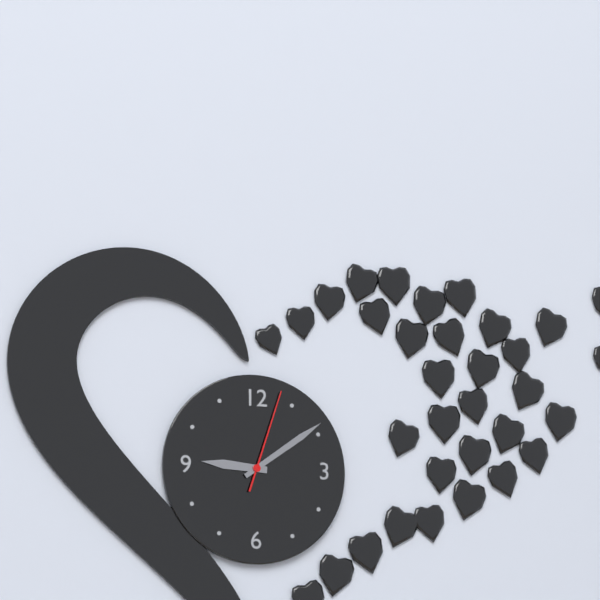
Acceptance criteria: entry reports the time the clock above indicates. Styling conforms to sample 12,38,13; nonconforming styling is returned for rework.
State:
9,09,03
